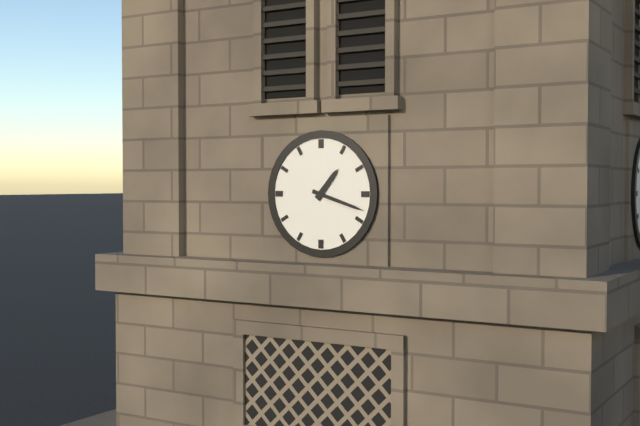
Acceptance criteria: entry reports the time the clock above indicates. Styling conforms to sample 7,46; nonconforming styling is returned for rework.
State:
1,18
